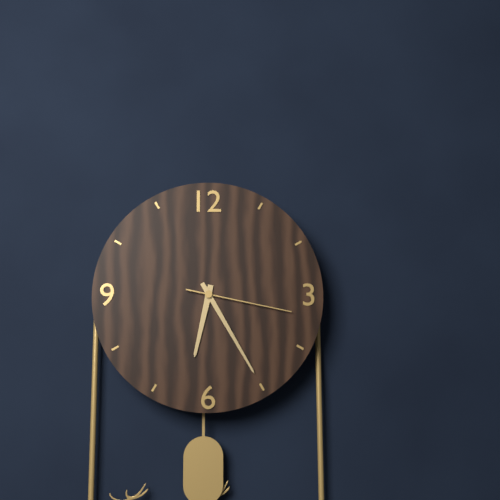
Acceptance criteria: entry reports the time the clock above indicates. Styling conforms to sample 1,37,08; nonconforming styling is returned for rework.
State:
6,25,17
